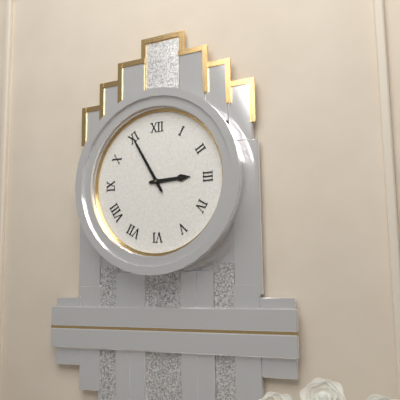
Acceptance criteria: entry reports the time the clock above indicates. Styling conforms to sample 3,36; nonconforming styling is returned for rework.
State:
2,55
